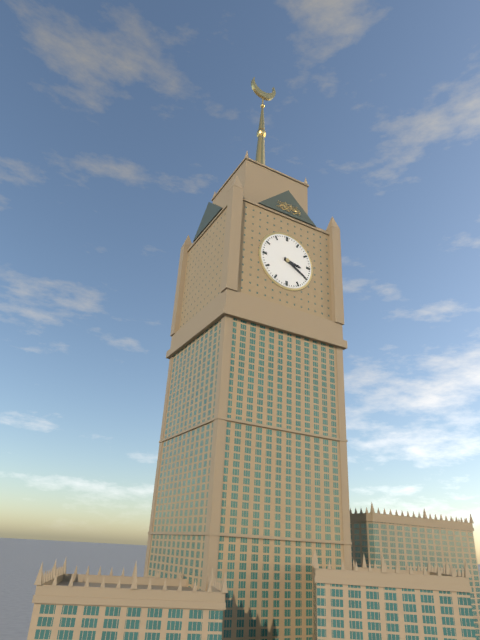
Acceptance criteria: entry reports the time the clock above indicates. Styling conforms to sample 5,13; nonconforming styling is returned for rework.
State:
3,20
